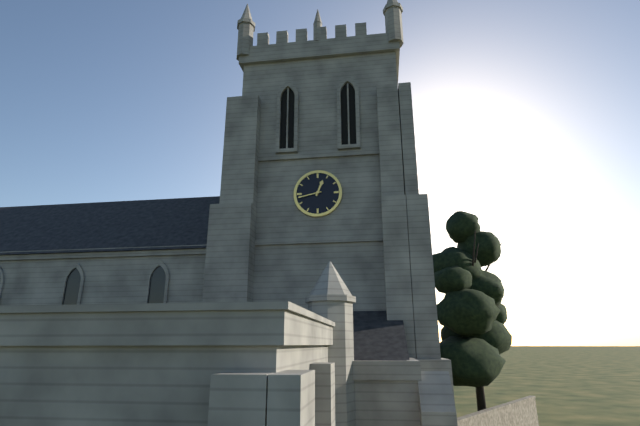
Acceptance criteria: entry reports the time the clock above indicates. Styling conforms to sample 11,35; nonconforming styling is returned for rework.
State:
12,43
